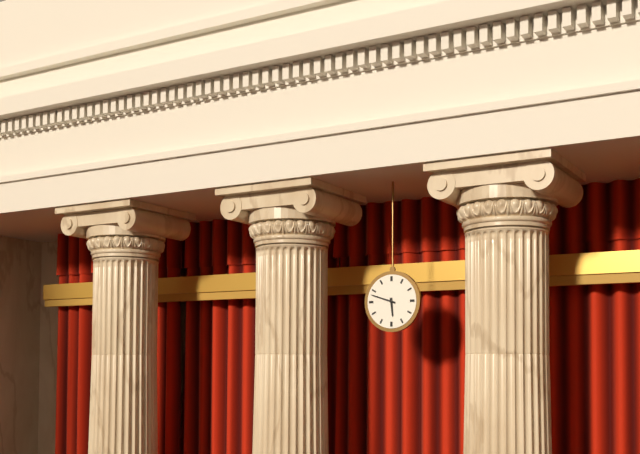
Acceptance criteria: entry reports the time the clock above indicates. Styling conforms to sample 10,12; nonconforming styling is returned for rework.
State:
5,48
